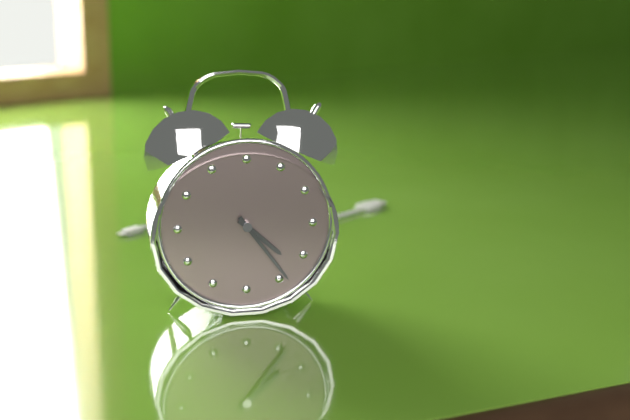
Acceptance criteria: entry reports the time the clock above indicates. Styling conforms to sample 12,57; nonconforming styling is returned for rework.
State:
4,24
